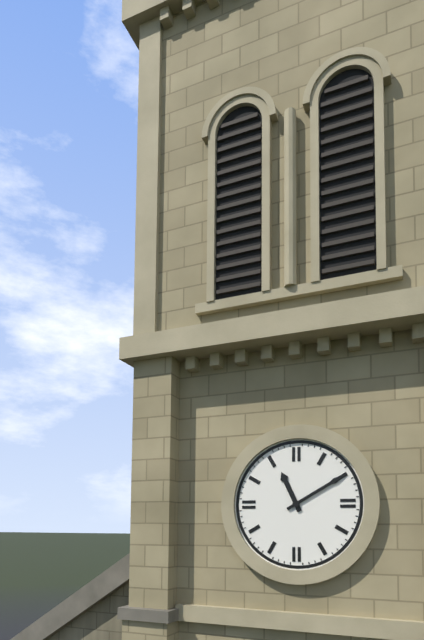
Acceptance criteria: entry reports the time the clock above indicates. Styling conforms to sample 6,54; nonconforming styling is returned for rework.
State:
11,10
